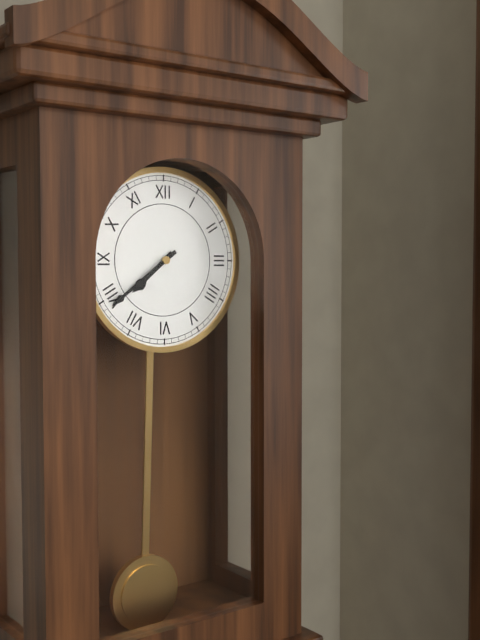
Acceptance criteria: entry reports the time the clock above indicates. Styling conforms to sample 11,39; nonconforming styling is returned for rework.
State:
7,39
